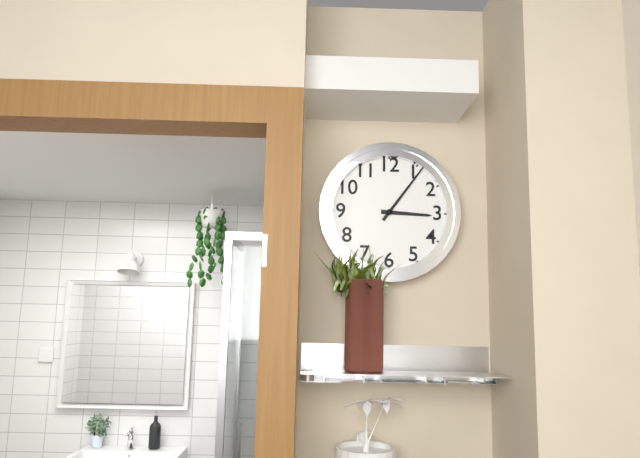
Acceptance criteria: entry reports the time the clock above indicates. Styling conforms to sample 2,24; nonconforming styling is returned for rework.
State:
3,06
